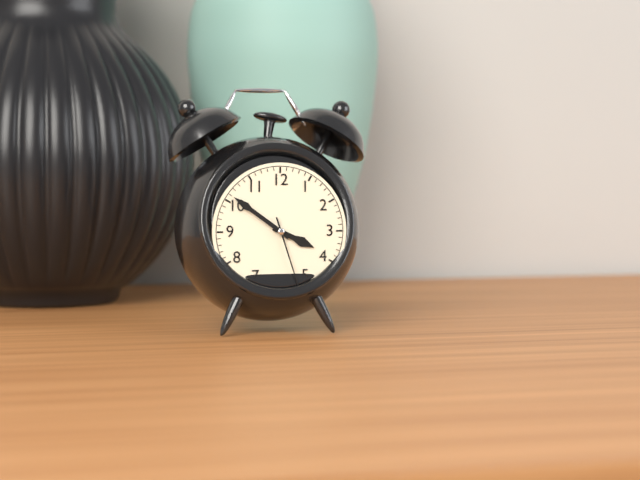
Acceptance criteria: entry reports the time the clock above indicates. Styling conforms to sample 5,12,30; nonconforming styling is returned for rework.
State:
3,51,27
